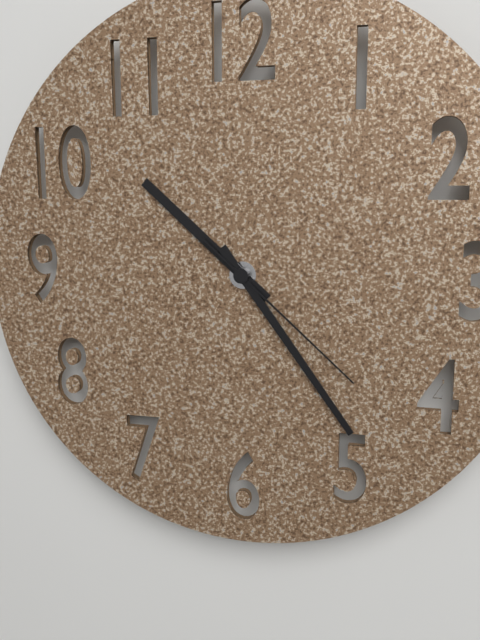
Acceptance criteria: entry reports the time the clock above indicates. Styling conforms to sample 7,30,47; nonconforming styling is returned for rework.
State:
10,24,22
